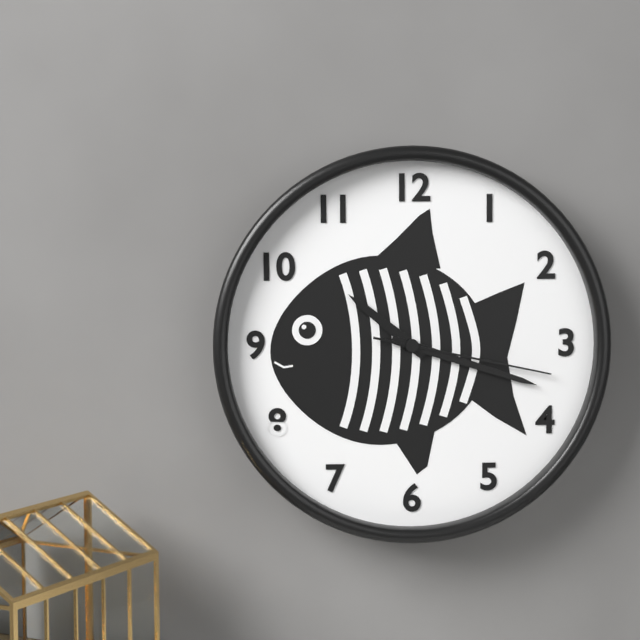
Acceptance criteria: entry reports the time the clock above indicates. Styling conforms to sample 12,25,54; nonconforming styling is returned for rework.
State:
10,18,17
